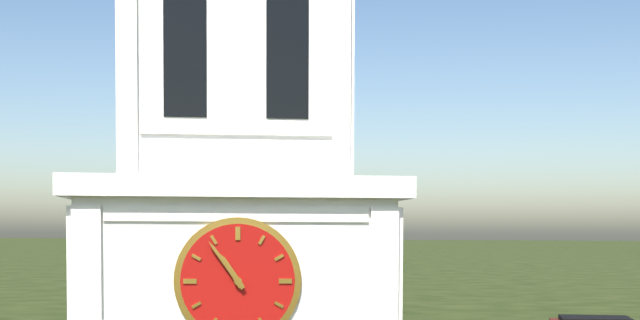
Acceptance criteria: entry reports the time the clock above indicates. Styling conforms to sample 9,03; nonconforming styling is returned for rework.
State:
10,54
